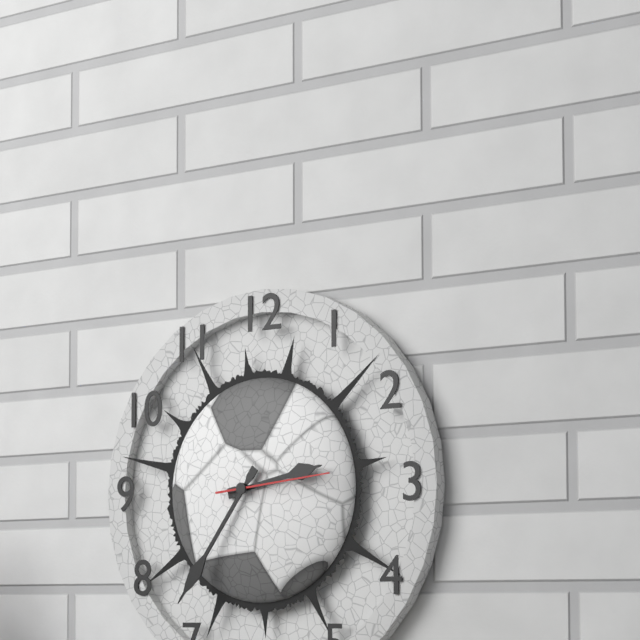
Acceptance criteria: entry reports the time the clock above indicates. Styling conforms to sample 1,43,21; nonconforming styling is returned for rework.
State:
2,36,14
